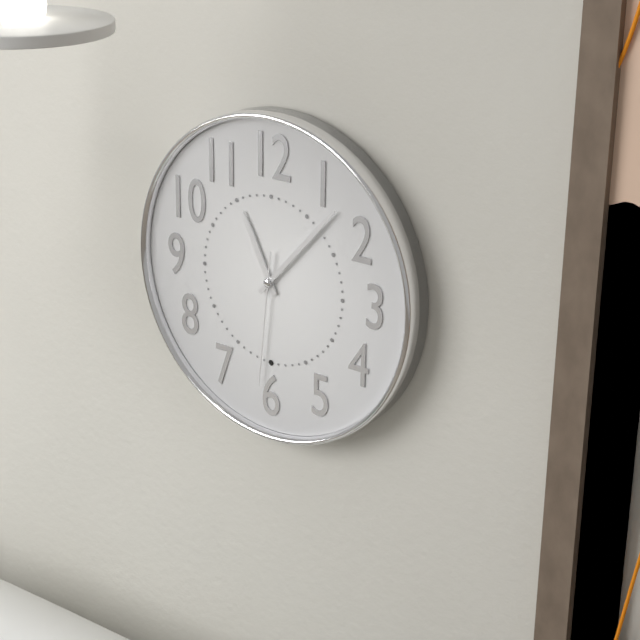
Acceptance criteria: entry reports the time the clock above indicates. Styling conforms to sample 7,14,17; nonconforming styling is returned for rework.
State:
11,07,31
